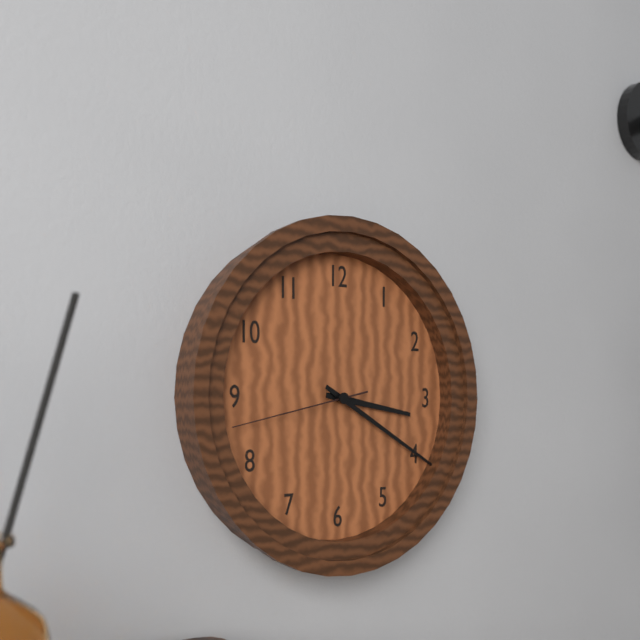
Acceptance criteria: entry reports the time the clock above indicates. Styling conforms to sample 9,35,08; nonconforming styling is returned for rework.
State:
3,20,43
